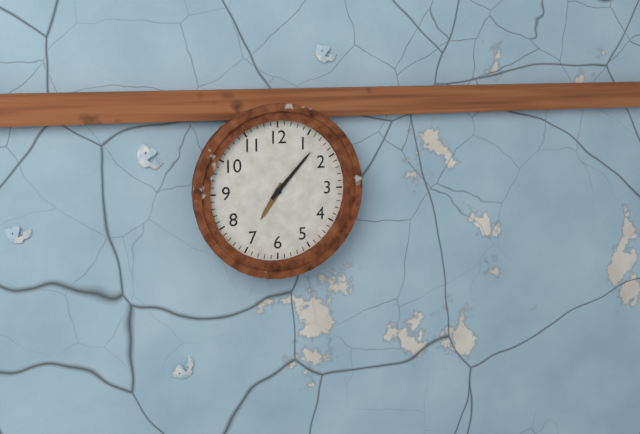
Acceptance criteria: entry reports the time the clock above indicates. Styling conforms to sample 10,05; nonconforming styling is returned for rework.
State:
7,07
